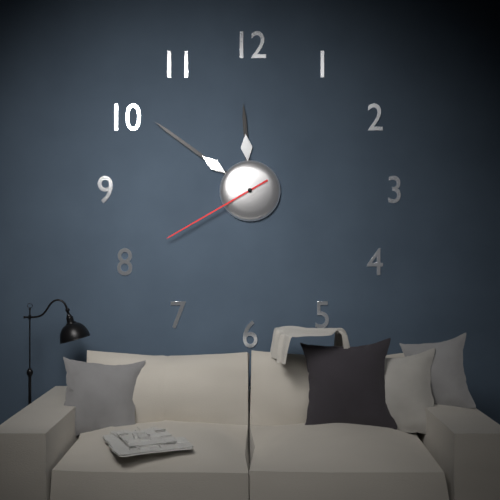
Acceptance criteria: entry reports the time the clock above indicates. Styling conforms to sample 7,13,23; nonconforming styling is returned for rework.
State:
11,51,40
